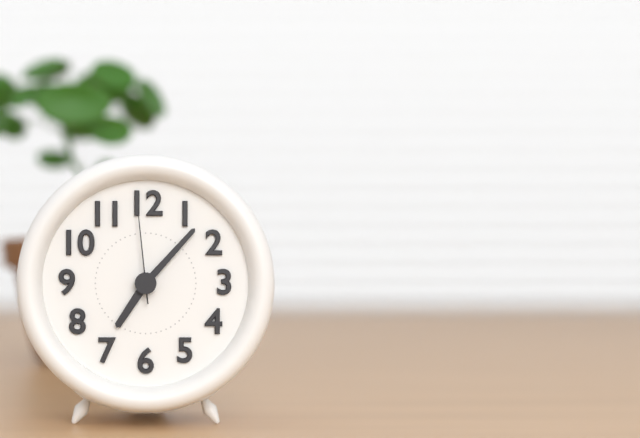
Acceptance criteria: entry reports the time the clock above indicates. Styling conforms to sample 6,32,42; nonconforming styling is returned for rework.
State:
7,07,59
